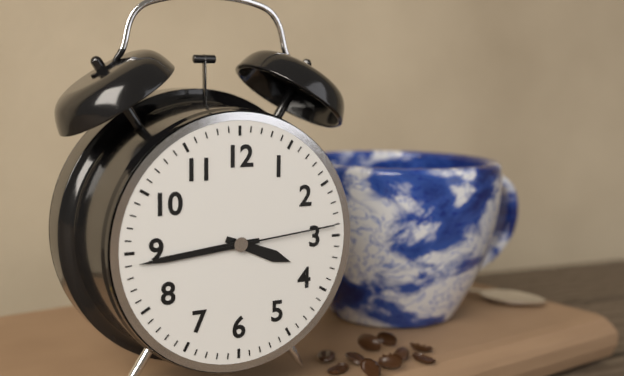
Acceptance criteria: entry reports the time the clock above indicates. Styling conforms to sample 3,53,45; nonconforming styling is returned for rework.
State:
3,44,14
